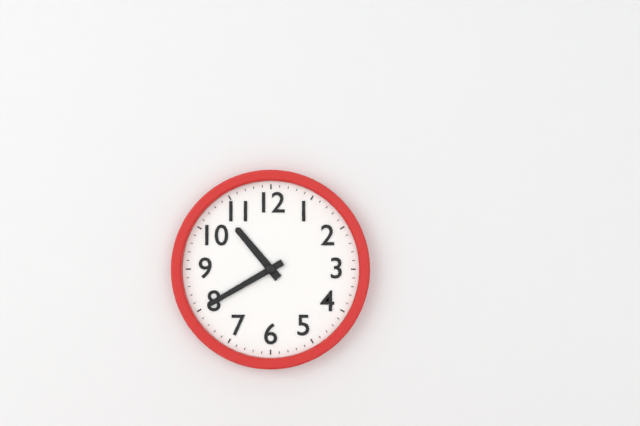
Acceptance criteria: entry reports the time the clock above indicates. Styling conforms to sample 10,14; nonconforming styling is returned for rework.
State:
10,40
